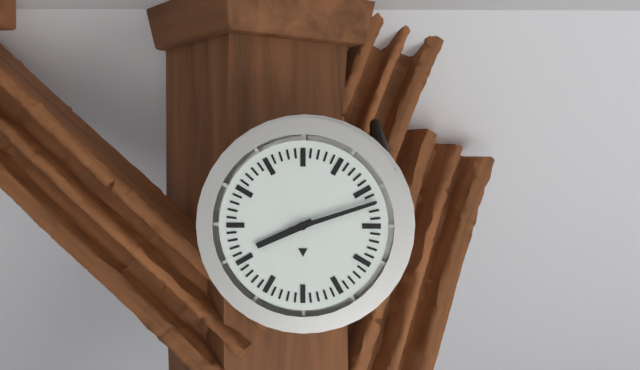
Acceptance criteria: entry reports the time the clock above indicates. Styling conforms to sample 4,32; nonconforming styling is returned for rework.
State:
8,12
